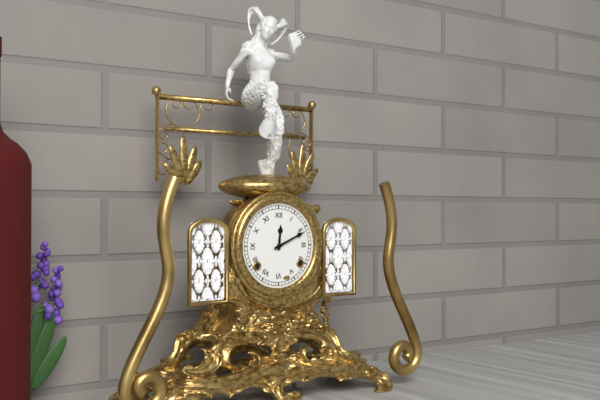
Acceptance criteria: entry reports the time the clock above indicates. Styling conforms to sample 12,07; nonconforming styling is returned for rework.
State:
12,11
